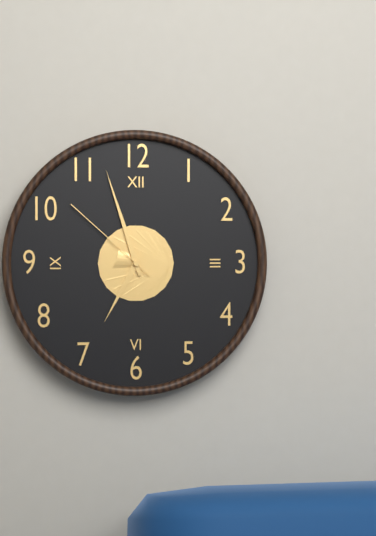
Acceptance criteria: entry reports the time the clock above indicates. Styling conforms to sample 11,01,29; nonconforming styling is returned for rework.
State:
6,57,52
